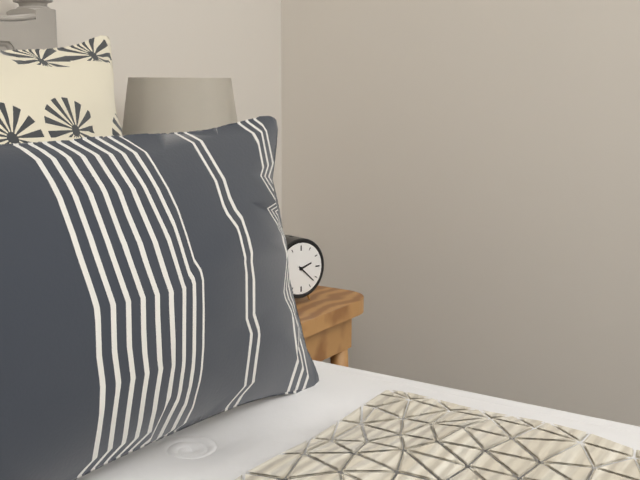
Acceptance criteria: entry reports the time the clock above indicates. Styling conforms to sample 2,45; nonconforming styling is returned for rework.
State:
2,22
